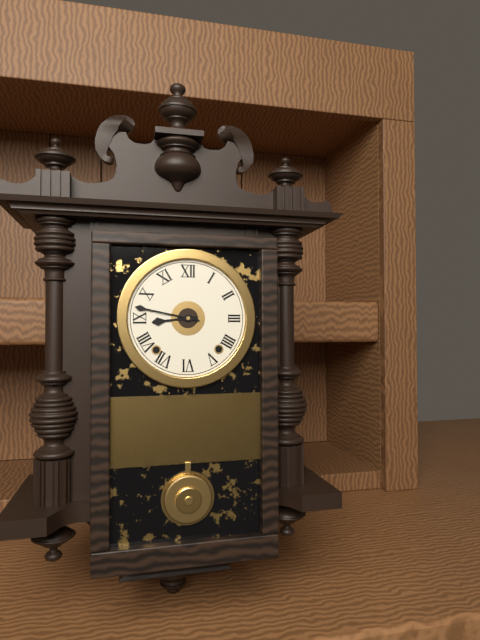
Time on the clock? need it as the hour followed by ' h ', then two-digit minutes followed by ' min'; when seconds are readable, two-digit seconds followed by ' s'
8 h 47 min
